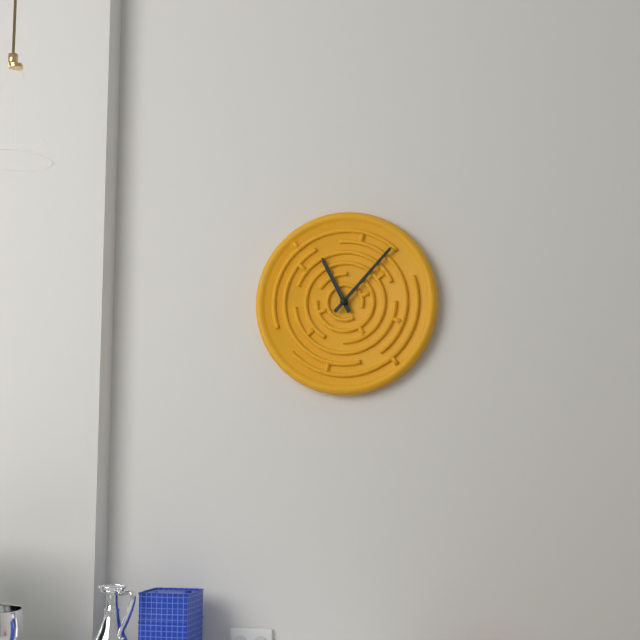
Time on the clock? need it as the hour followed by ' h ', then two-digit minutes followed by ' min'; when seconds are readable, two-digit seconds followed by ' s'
11 h 07 min
